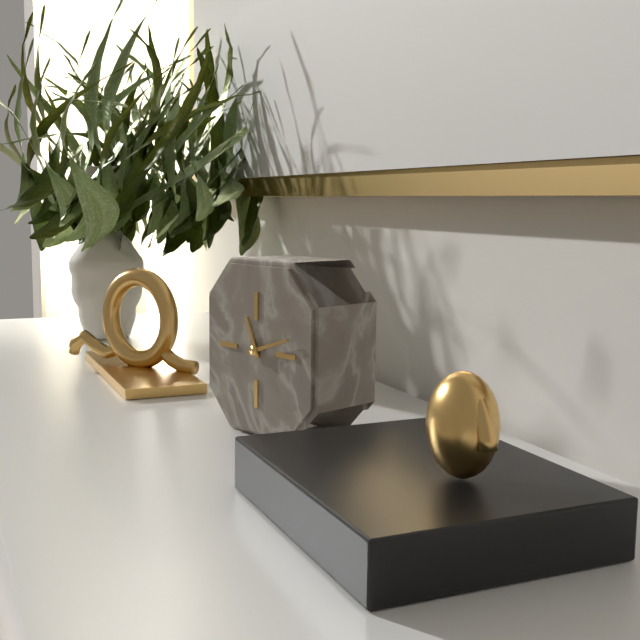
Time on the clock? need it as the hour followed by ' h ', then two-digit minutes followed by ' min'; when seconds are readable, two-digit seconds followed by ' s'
11 h 12 min
